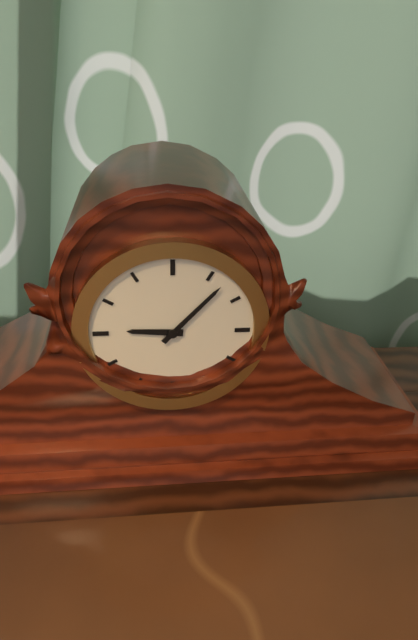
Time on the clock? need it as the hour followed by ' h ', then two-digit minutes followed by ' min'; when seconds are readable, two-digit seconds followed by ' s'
9 h 07 min
